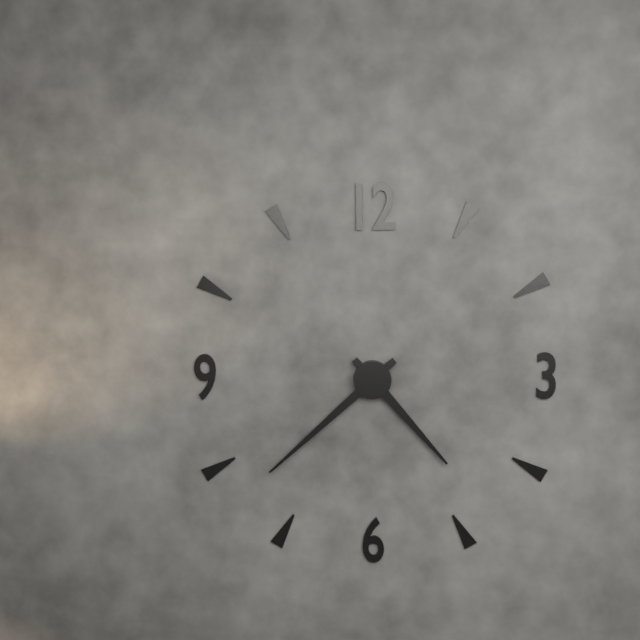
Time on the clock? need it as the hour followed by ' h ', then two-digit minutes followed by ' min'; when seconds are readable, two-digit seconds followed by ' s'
4 h 38 min
